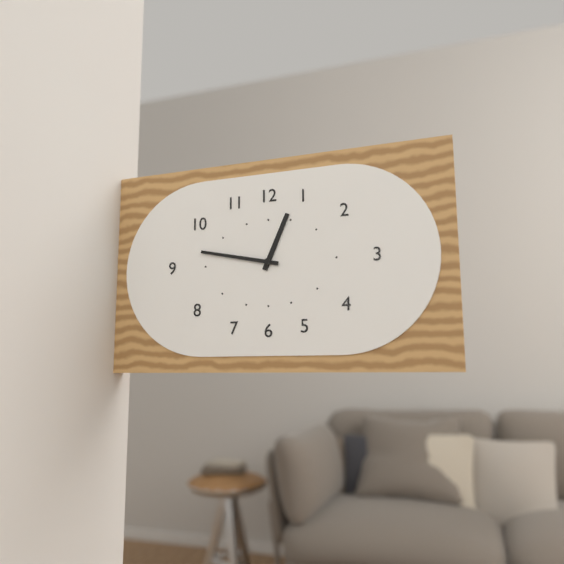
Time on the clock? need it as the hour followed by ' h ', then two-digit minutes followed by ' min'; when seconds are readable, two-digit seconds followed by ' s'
12 h 47 min
